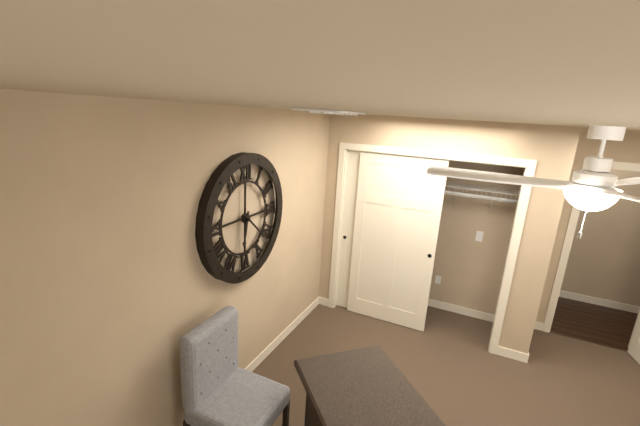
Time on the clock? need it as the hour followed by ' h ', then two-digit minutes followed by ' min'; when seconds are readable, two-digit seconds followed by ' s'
6 h 22 min
